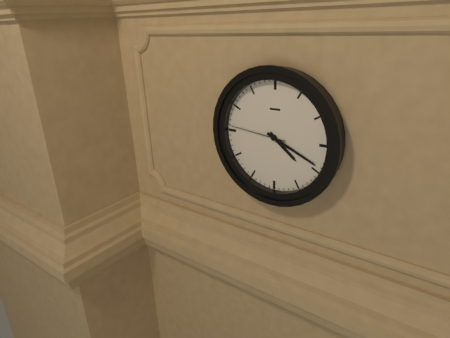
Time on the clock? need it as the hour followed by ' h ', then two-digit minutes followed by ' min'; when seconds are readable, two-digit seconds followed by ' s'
4 h 19 min 46 s
